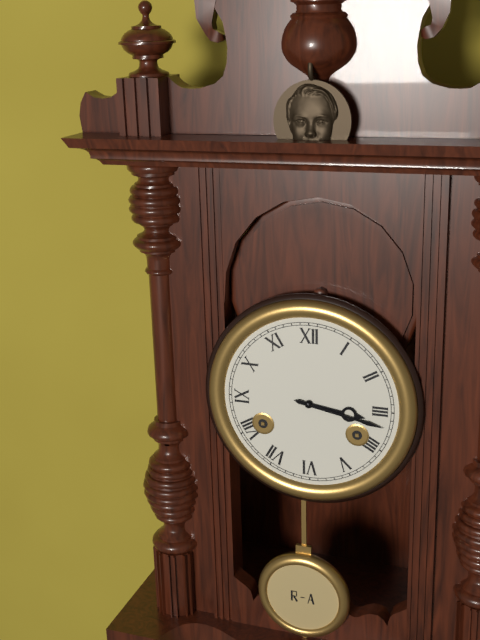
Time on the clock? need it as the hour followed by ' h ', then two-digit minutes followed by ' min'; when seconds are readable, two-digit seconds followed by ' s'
3 h 17 min
